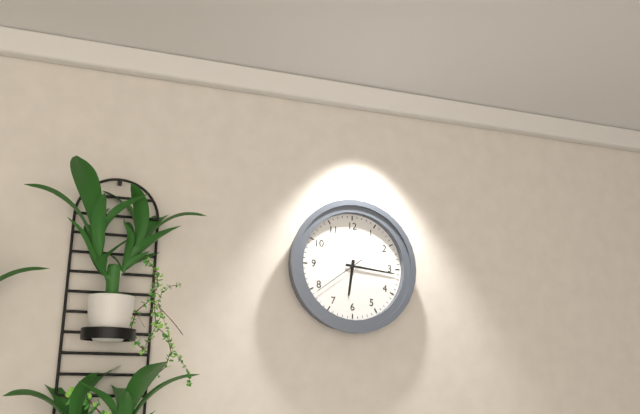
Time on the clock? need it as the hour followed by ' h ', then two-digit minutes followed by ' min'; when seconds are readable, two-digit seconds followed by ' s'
6 h 16 min 39 s
